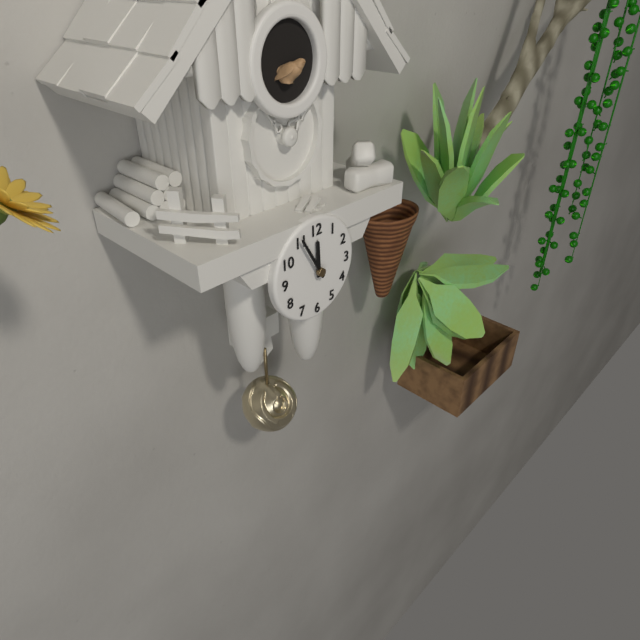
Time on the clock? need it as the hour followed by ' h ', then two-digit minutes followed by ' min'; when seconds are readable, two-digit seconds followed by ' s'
11 h 55 min
